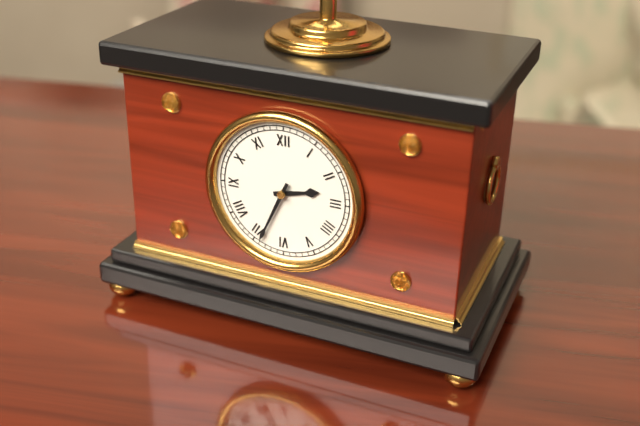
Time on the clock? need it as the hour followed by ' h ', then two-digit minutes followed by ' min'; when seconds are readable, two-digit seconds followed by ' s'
2 h 34 min
